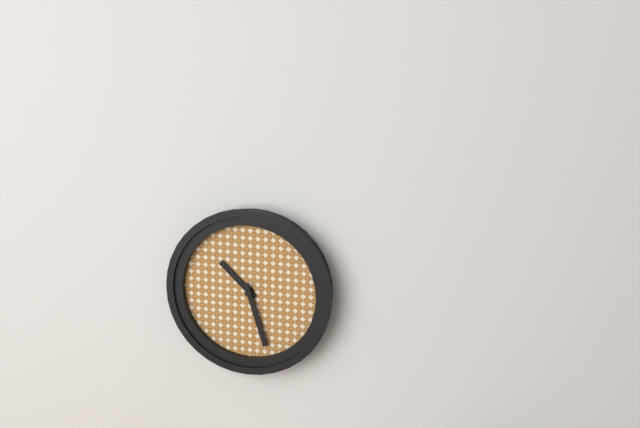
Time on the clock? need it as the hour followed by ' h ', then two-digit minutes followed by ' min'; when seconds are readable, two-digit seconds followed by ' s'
10 h 27 min
